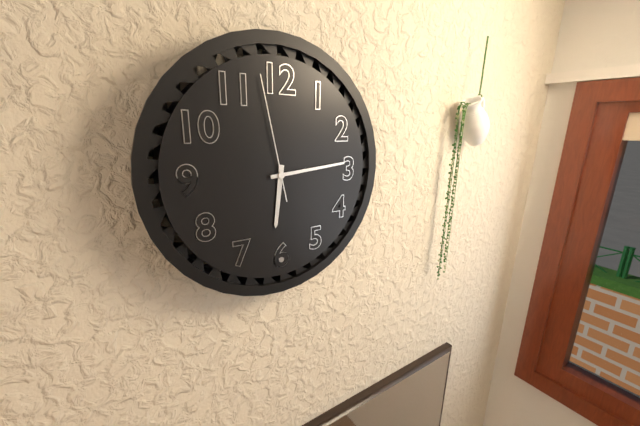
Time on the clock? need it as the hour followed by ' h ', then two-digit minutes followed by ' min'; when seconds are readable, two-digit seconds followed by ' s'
6 h 14 min 58 s
